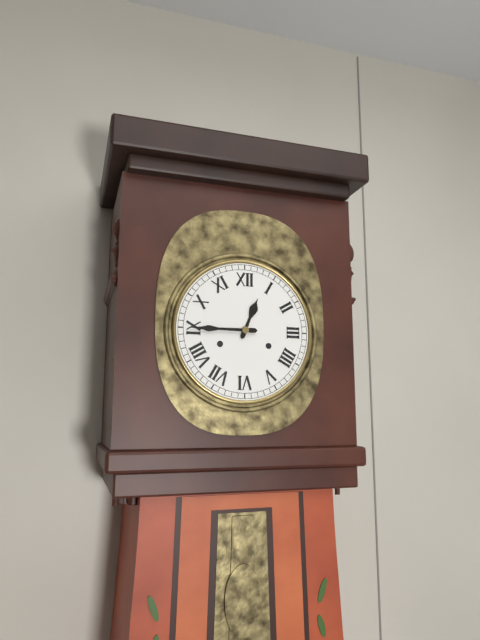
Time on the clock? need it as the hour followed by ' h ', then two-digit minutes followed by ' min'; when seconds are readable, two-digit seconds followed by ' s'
12 h 45 min
